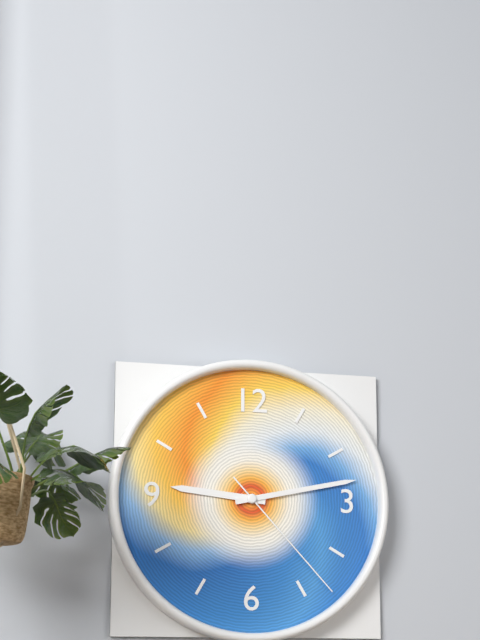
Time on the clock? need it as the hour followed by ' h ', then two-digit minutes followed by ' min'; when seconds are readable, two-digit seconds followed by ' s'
9 h 13 min 23 s
